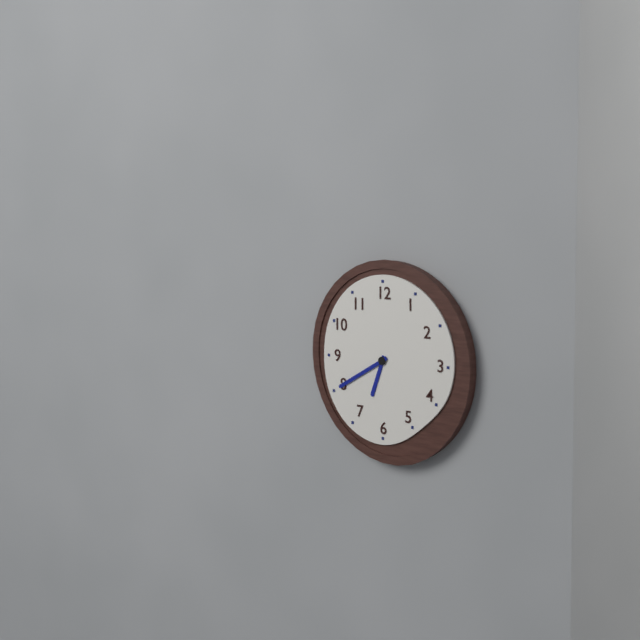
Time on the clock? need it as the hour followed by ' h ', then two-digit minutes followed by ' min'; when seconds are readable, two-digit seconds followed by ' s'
6 h 40 min
